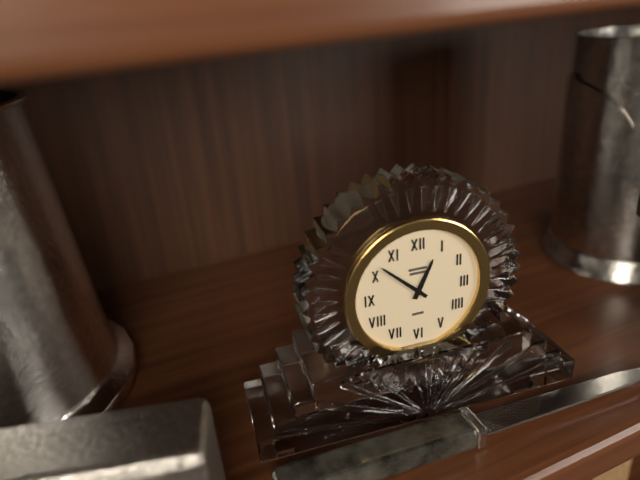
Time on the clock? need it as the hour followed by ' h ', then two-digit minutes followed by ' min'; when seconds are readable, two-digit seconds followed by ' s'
12 h 52 min
